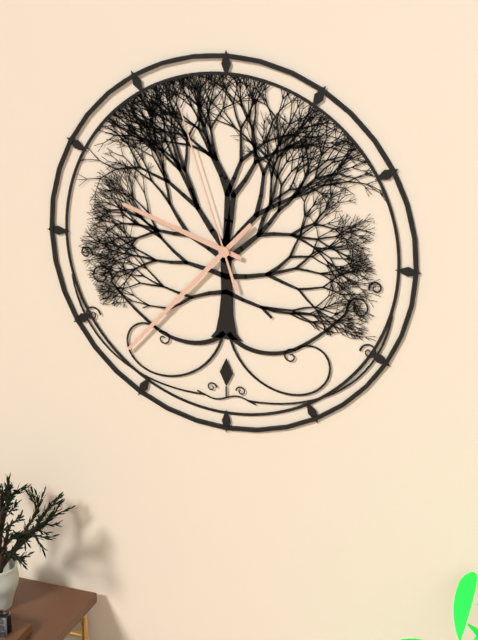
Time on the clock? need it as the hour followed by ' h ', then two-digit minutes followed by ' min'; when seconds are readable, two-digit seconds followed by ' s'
9 h 37 min 57 s
